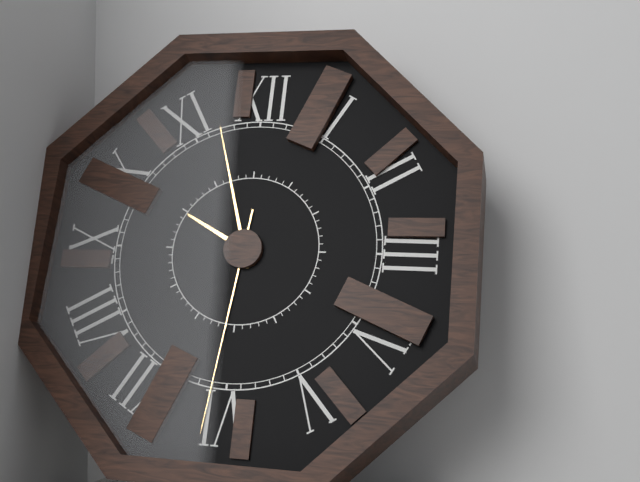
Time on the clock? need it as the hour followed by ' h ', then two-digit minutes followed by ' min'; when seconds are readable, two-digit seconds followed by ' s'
9 h 57 min 31 s
